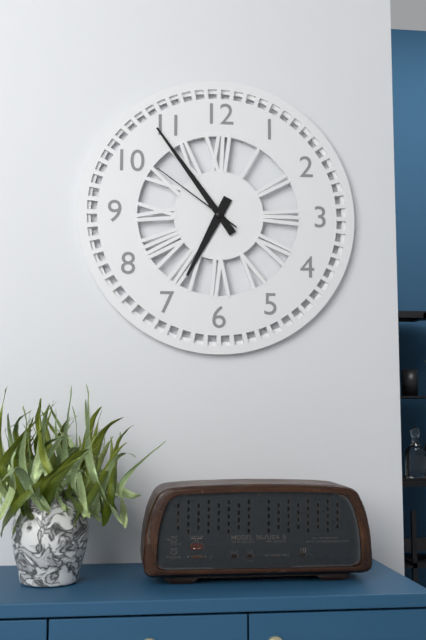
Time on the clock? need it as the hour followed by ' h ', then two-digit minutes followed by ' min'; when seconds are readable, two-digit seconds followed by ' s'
6 h 54 min 51 s
